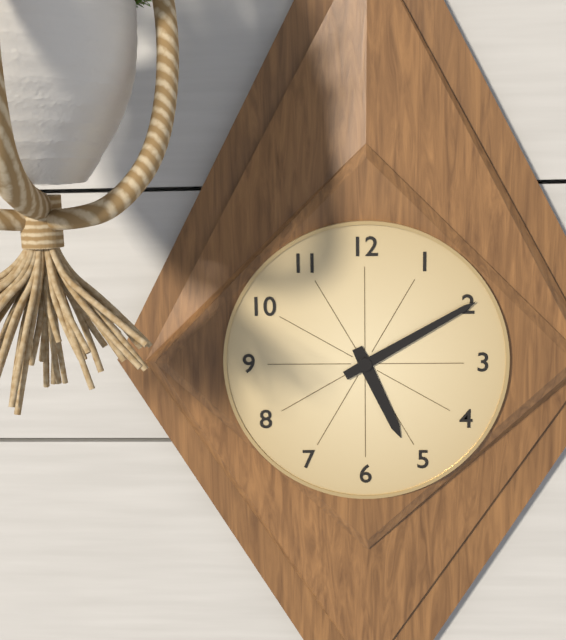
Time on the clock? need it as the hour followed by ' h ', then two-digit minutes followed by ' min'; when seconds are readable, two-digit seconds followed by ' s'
5 h 10 min
